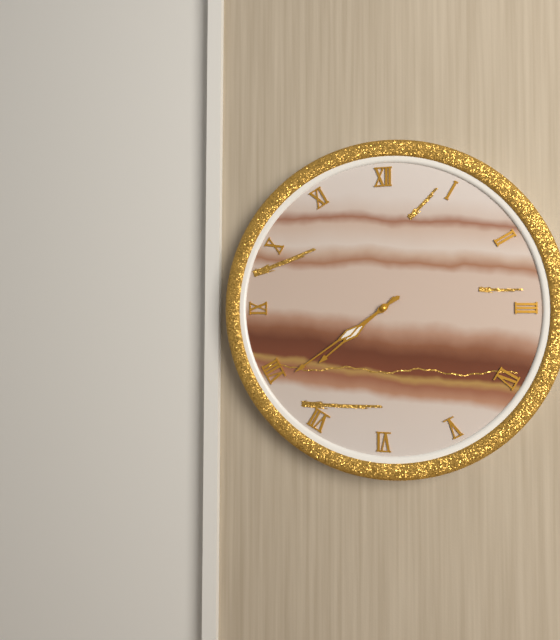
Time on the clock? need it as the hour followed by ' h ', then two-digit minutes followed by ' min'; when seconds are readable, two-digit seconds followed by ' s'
7 h 39 min
